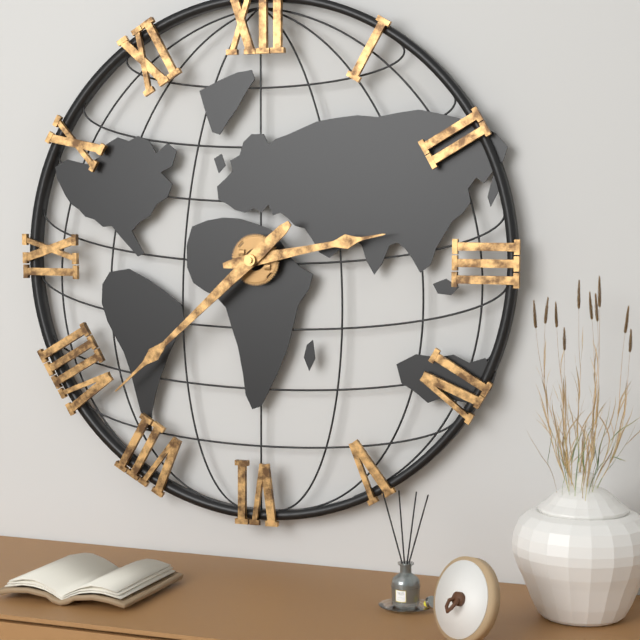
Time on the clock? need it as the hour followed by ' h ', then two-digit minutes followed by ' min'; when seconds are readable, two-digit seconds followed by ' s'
2 h 38 min
